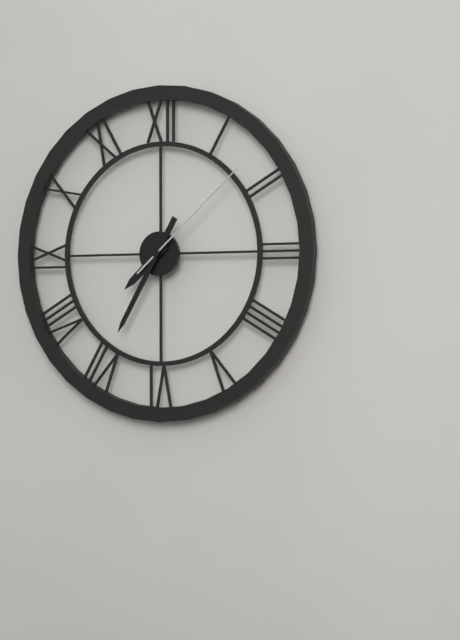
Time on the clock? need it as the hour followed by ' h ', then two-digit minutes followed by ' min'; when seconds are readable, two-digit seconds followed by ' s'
7 h 35 min 08 s
